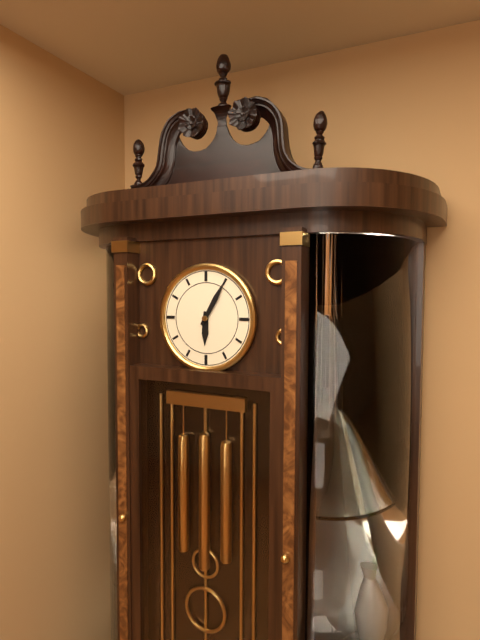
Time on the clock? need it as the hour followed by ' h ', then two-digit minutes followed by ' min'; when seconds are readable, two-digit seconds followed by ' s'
6 h 05 min
